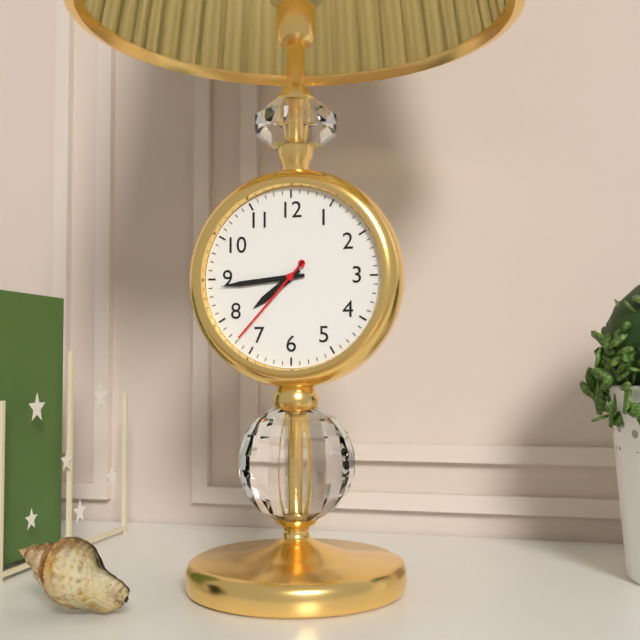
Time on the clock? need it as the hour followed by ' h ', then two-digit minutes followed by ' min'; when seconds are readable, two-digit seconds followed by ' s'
7 h 44 min 37 s
